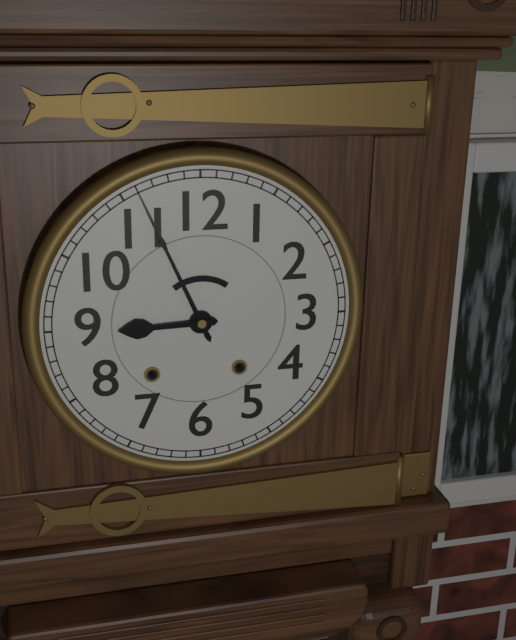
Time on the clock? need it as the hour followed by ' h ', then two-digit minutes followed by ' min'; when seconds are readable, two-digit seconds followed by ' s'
8 h 56 min
